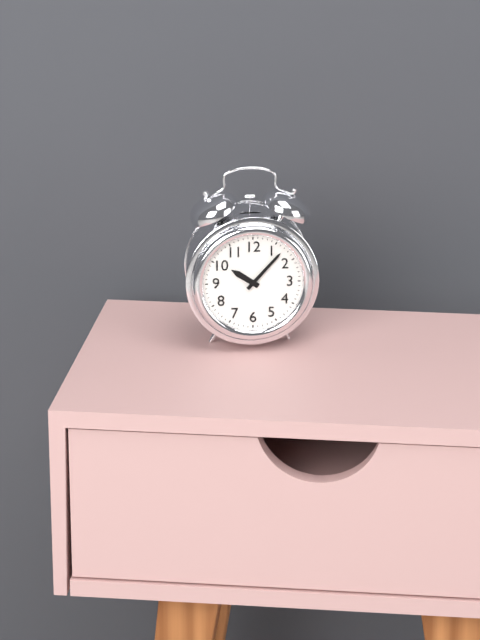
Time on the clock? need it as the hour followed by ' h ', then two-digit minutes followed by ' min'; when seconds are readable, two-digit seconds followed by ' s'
10 h 07 min
